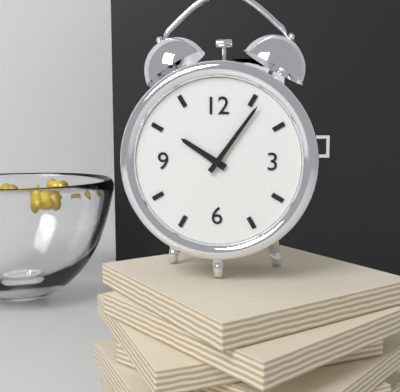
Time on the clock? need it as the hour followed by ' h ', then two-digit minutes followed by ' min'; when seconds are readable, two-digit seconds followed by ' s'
10 h 06 min
